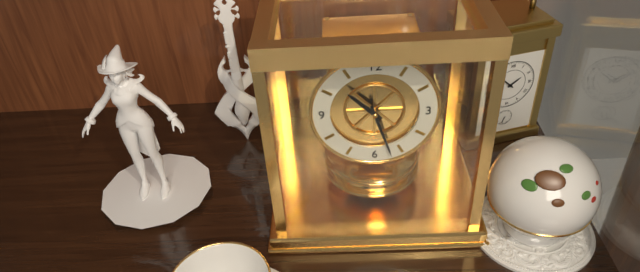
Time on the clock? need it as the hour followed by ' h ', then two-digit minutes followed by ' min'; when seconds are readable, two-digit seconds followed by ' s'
10 h 27 min
